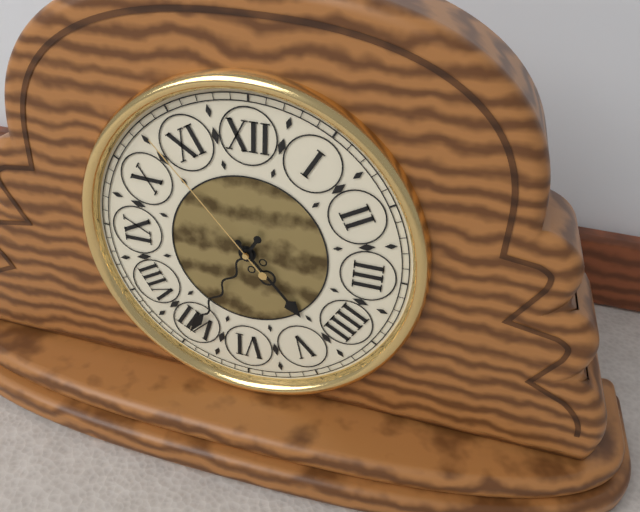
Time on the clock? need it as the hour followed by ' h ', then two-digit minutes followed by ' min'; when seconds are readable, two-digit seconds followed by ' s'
4 h 35 min 53 s
